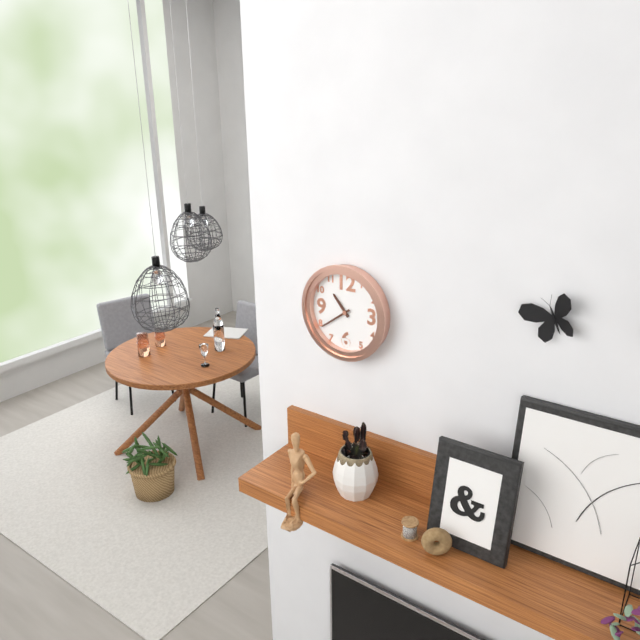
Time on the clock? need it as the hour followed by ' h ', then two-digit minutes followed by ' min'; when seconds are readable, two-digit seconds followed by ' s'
10 h 39 min
